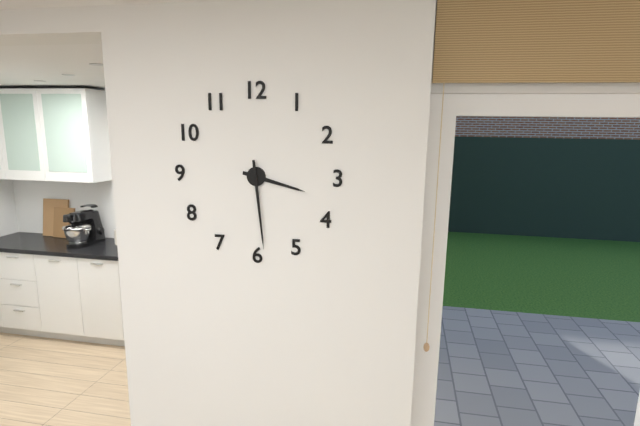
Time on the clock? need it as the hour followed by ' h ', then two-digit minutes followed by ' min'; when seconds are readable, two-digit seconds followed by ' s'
3 h 29 min
